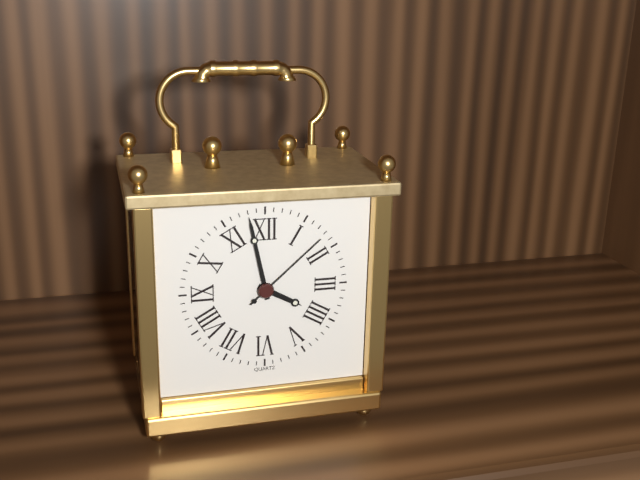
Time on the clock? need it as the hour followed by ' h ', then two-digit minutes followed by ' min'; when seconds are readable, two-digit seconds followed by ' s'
3 h 58 min 08 s
